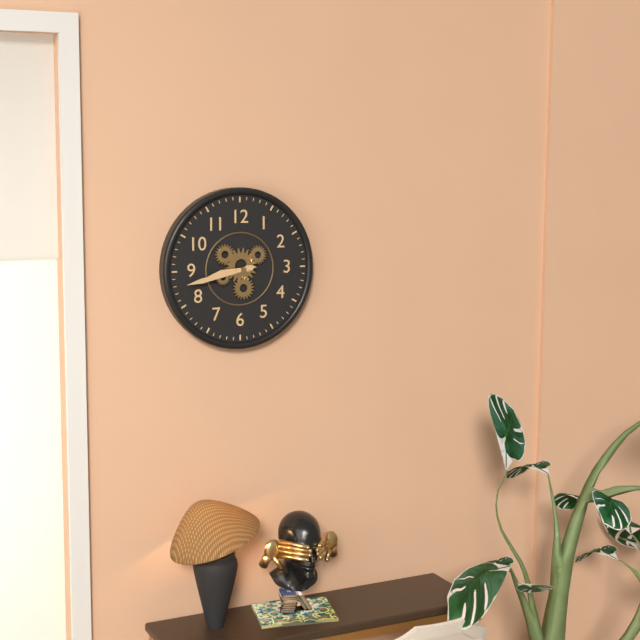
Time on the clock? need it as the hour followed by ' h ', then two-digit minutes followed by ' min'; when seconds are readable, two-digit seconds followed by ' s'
8 h 43 min
